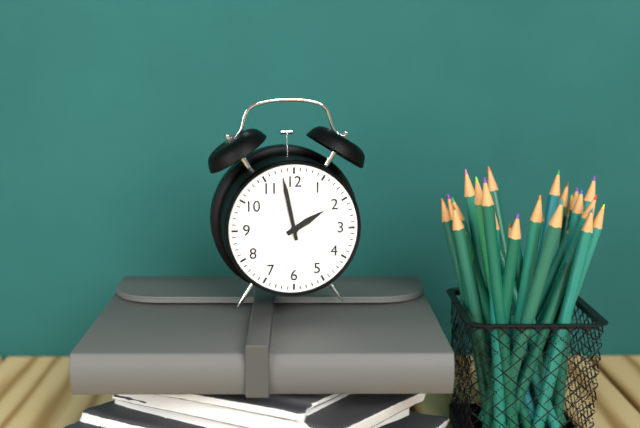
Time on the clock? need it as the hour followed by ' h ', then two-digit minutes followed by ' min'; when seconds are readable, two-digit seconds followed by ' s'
1 h 58 min
